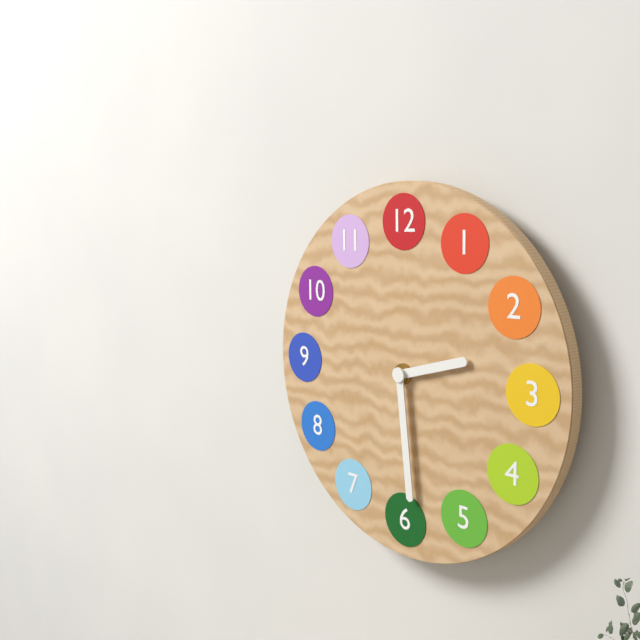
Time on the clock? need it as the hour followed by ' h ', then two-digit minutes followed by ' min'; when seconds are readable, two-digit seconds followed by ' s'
2 h 29 min
